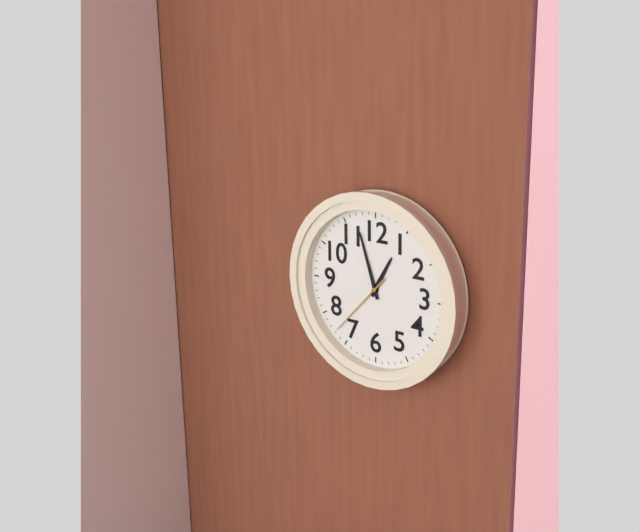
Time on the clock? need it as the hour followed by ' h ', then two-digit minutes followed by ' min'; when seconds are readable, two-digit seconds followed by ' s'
12 h 57 min 37 s
